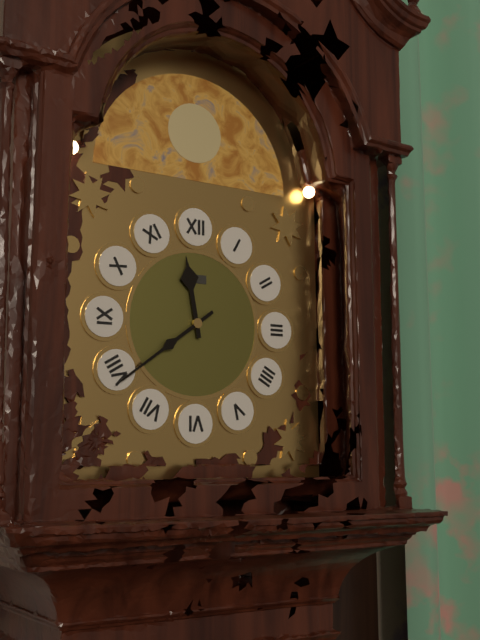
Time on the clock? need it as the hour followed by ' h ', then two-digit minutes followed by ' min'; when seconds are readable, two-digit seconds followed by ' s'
11 h 39 min
